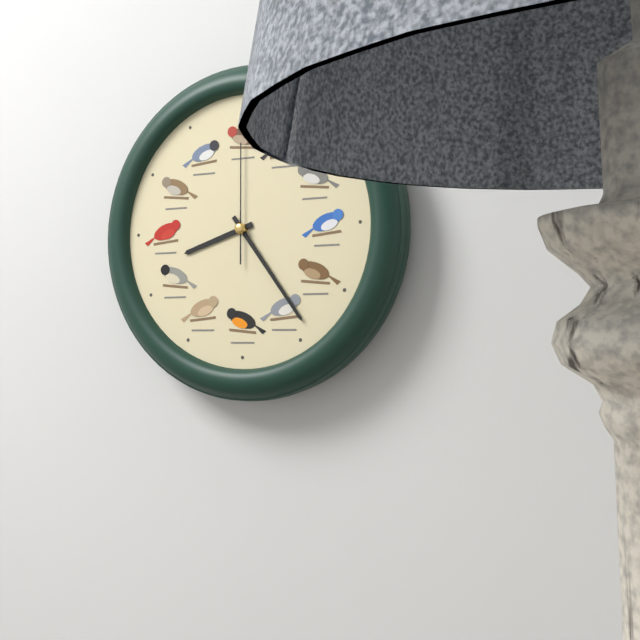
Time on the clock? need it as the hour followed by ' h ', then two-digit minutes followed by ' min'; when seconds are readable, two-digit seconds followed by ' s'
8 h 24 min 00 s
